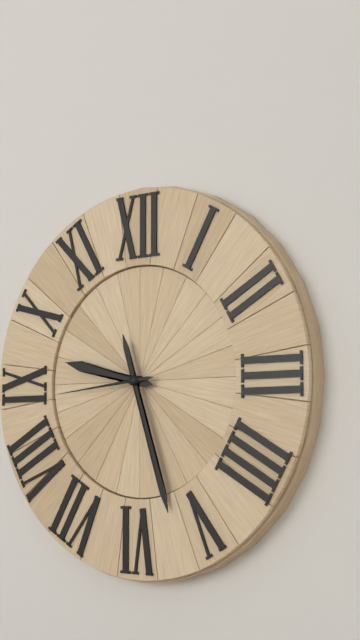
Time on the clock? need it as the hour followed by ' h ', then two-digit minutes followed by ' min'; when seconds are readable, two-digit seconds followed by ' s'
9 h 27 min 44 s
